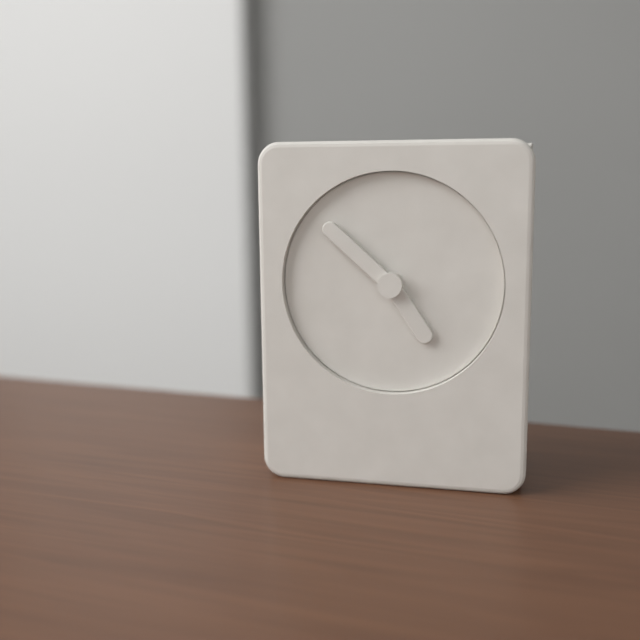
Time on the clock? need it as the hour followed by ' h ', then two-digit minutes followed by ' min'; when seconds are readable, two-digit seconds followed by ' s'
4 h 52 min
